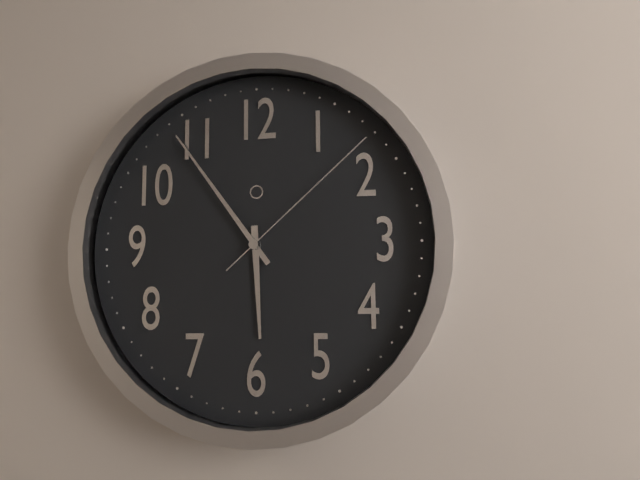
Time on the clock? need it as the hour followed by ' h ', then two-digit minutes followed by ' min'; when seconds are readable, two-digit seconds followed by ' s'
5 h 54 min 08 s
